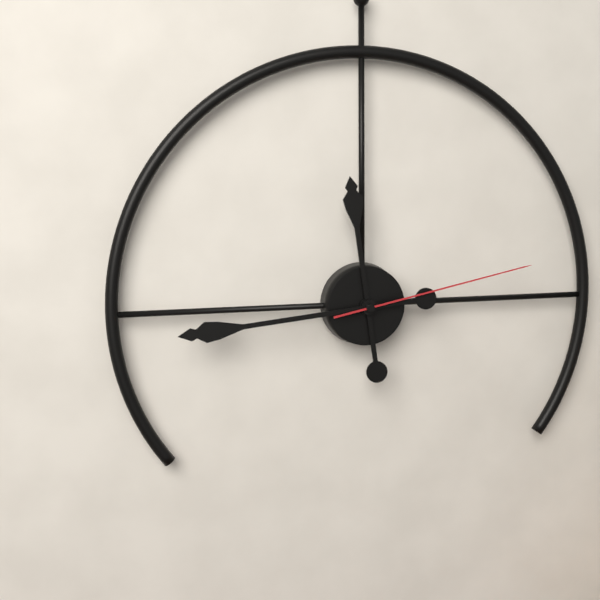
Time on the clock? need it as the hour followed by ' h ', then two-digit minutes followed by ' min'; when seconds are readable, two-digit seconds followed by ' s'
11 h 44 min 13 s
